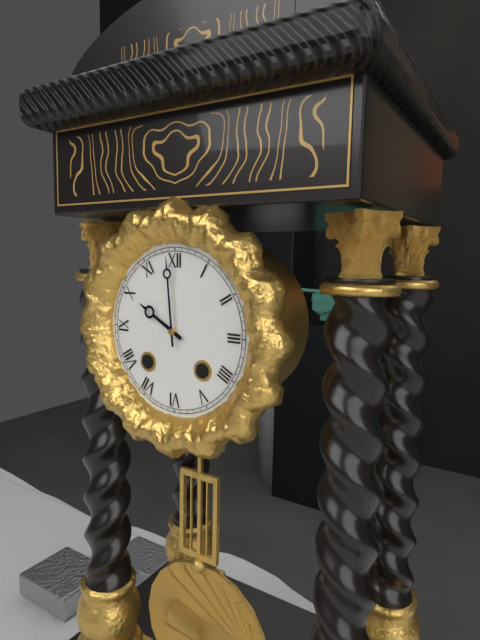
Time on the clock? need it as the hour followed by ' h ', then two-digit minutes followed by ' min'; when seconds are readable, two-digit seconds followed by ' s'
9 h 59 min
